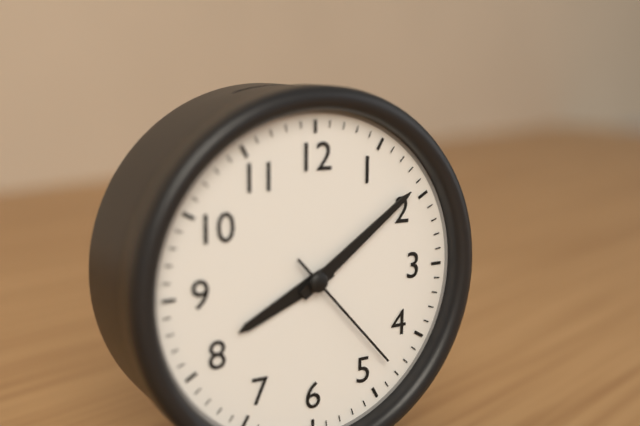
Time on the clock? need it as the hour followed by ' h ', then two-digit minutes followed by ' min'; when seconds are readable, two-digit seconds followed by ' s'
8 h 09 min 23 s
